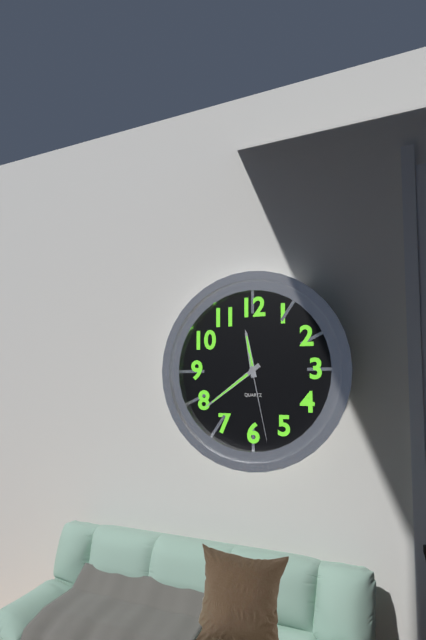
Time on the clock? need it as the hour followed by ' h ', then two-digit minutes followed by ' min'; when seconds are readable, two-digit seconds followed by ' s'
11 h 39 min 28 s
